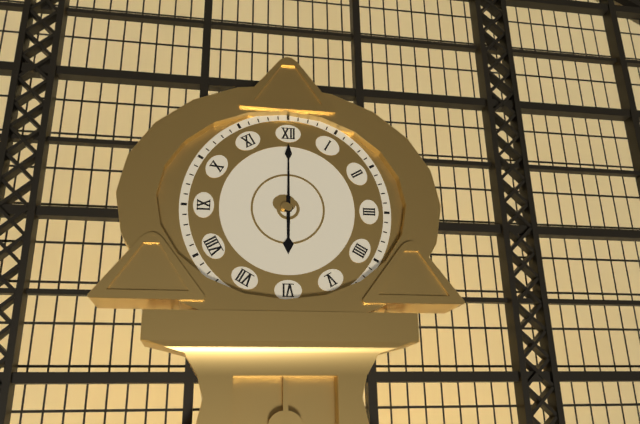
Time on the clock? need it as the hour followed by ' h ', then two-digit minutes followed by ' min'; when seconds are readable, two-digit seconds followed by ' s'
6 h 00 min
